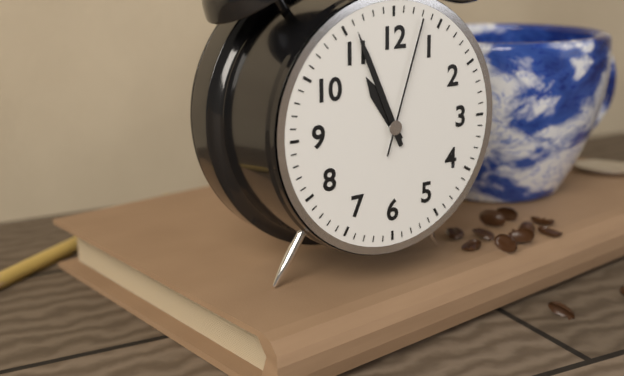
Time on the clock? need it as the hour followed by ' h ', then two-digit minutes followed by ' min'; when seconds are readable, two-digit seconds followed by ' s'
10 h 56 min 03 s
